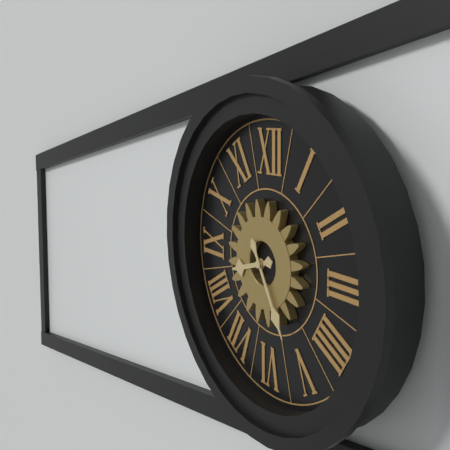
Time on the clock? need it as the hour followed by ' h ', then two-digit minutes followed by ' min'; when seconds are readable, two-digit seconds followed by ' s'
8 h 25 min
